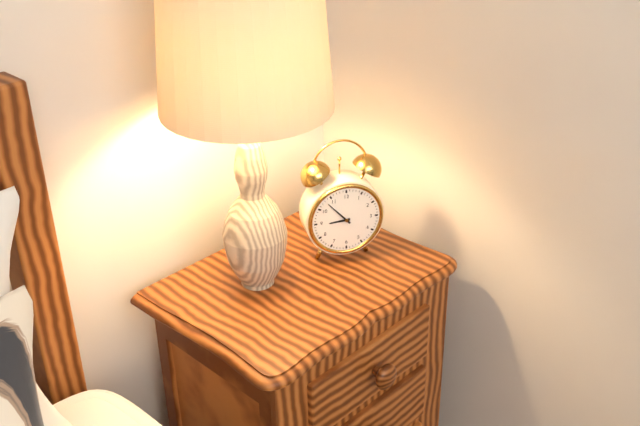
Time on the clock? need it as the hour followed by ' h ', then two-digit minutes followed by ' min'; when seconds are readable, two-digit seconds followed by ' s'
8 h 53 min
